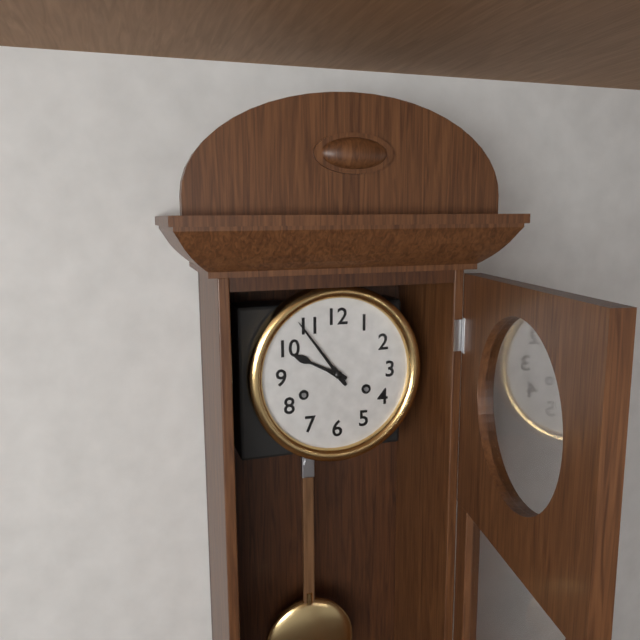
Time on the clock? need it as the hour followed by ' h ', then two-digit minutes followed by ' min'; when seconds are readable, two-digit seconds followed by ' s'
9 h 54 min
